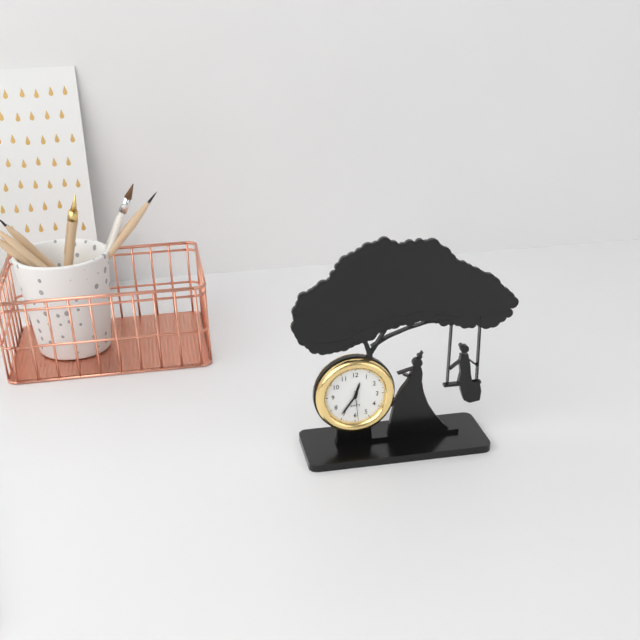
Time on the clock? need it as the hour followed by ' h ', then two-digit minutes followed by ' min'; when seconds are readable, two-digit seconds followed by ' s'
12 h 36 min
